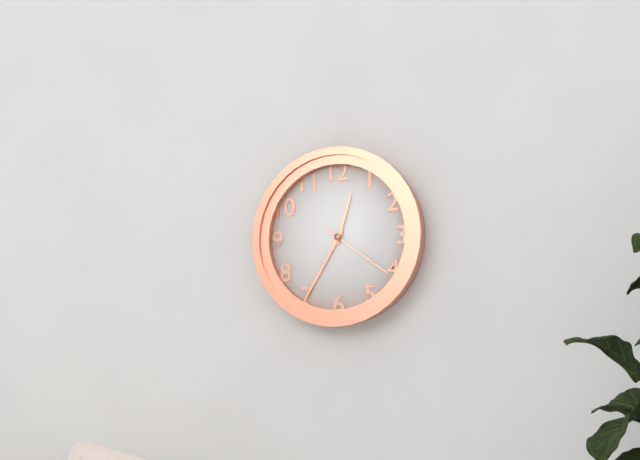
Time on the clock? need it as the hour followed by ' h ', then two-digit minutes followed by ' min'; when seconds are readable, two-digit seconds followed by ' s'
12 h 35 min 21 s
